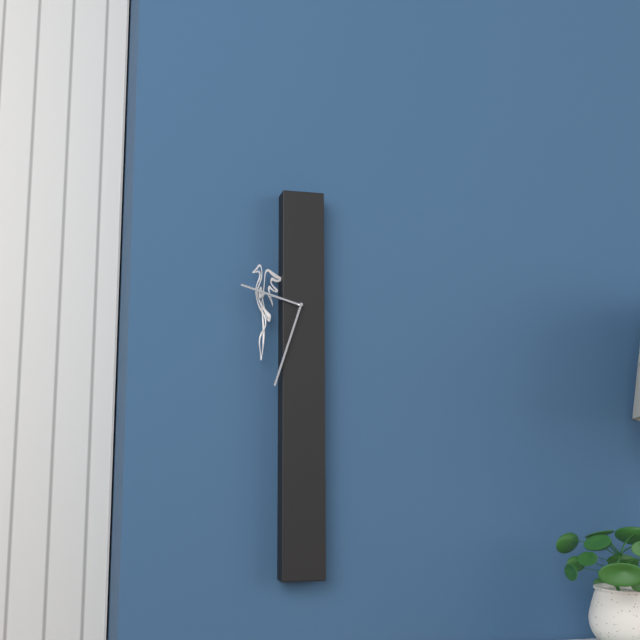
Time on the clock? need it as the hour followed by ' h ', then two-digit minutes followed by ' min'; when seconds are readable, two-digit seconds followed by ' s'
9 h 33 min
